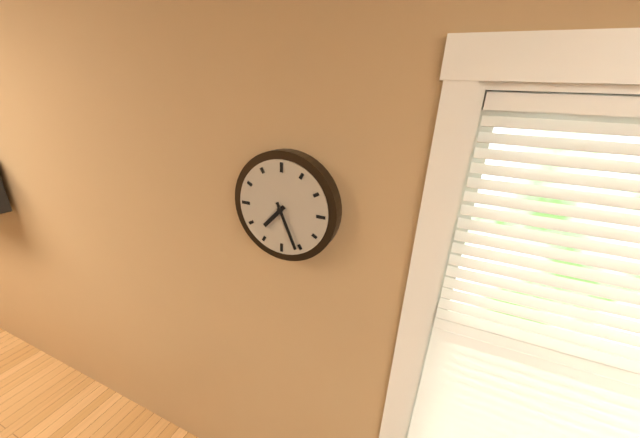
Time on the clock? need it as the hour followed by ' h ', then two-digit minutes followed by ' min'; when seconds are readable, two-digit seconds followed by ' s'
7 h 26 min
